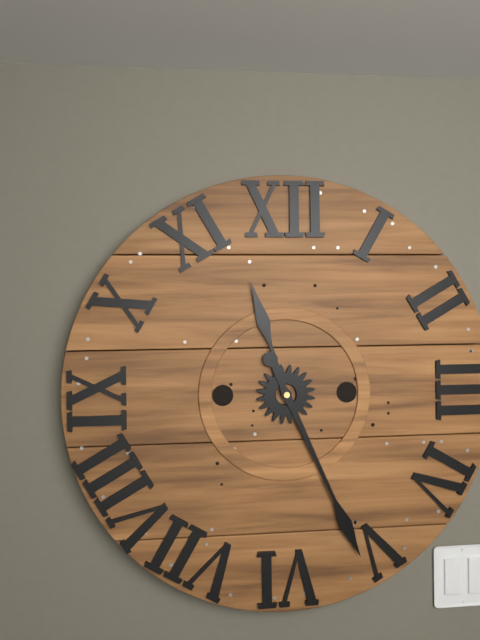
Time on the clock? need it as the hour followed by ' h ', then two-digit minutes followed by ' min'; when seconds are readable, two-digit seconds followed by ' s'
11 h 26 min
